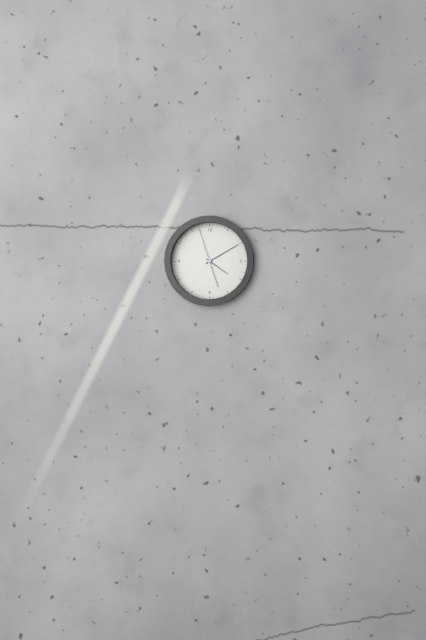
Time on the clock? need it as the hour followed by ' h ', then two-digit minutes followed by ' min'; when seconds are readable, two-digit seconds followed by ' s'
4 h 10 min
